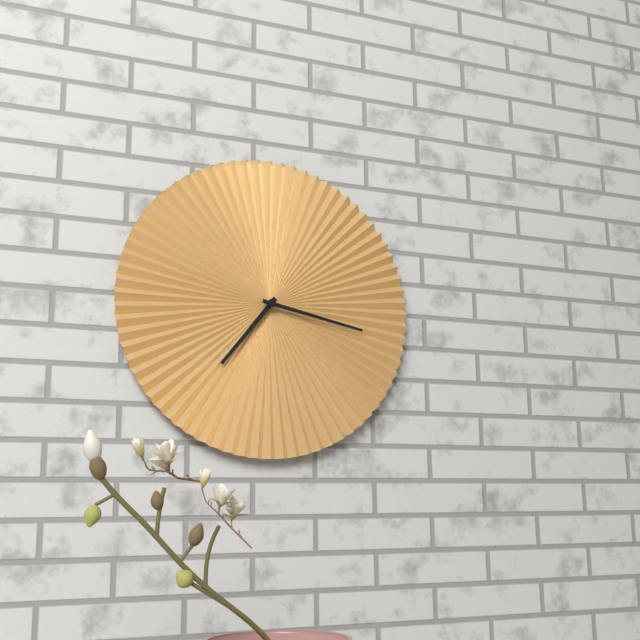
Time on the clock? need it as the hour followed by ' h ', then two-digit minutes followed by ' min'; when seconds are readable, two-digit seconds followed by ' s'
7 h 17 min
